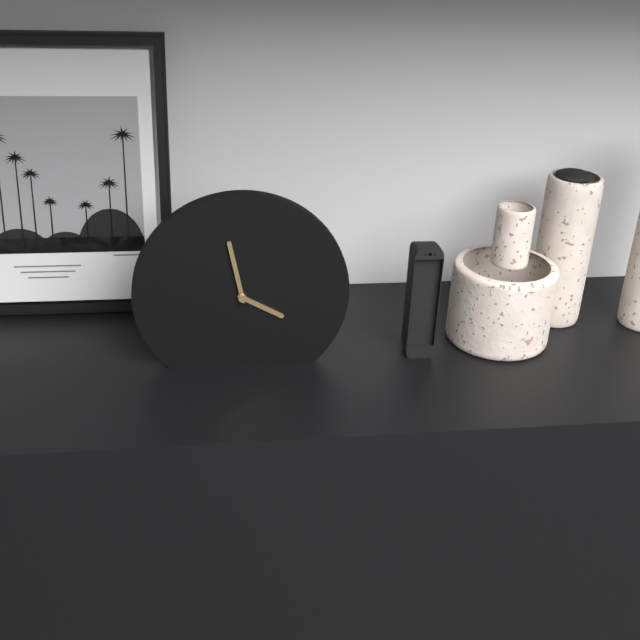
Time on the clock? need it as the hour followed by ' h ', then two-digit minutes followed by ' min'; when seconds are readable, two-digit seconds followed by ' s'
3 h 58 min
